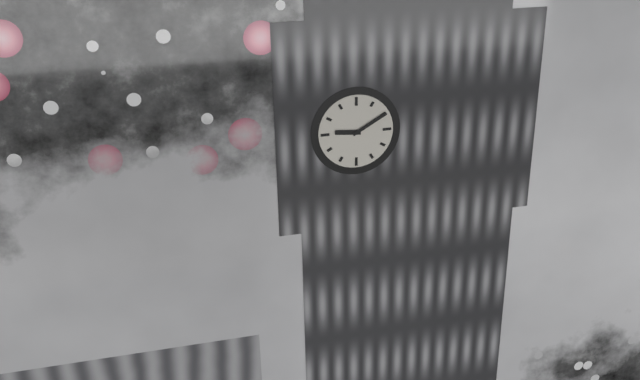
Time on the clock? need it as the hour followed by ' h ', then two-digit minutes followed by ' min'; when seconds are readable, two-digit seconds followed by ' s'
9 h 10 min
